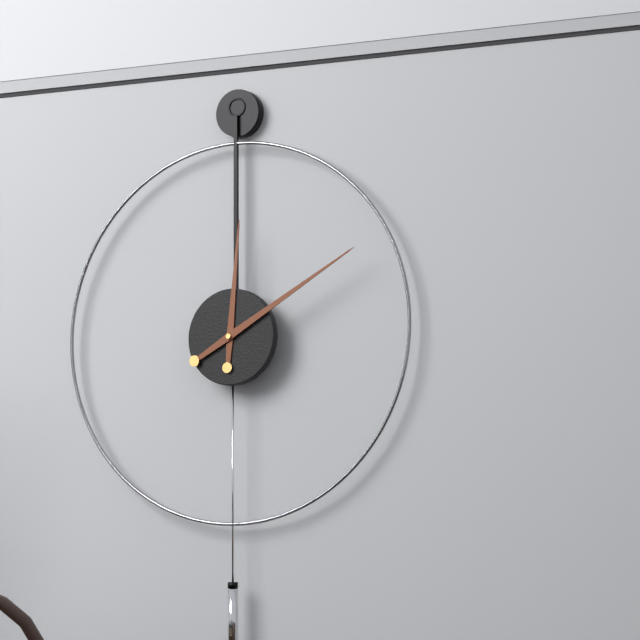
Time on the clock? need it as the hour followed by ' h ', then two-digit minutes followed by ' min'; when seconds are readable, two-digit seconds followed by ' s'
12 h 10 min
